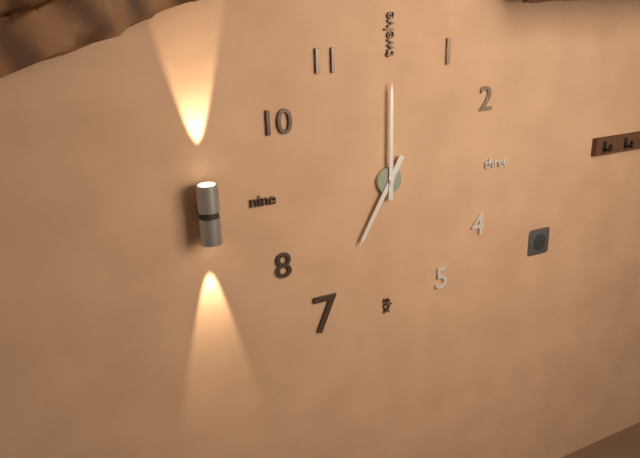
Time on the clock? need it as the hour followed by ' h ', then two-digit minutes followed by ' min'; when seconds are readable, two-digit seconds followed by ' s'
7 h 00 min
